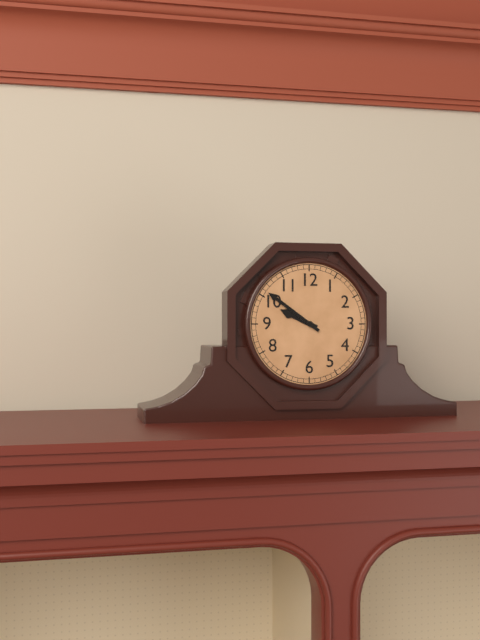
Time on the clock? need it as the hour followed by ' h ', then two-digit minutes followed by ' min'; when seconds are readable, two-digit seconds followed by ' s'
9 h 51 min
